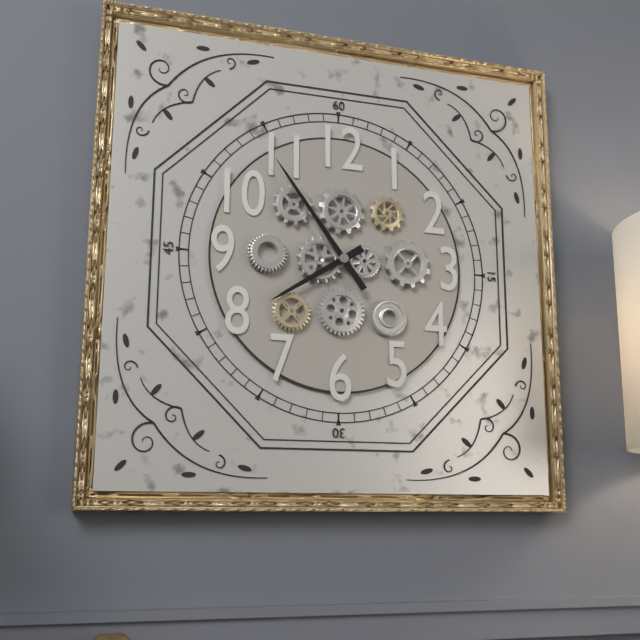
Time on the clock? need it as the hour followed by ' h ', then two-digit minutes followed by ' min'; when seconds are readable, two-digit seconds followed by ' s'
7 h 54 min
